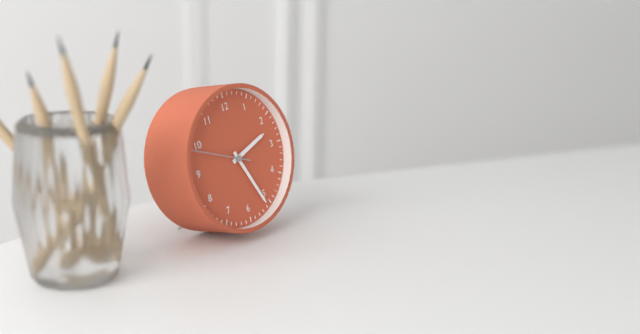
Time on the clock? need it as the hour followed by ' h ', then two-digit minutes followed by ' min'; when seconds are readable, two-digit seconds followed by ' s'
2 h 26 min 49 s
